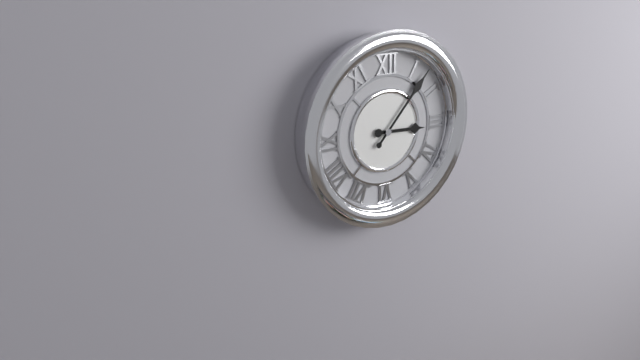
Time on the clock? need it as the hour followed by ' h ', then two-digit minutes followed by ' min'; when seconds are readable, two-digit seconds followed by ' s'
3 h 07 min
